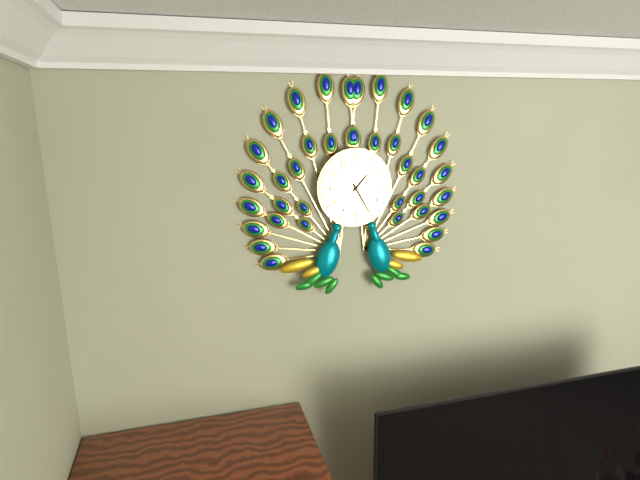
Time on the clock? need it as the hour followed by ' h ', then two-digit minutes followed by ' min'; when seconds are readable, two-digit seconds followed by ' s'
1 h 25 min
